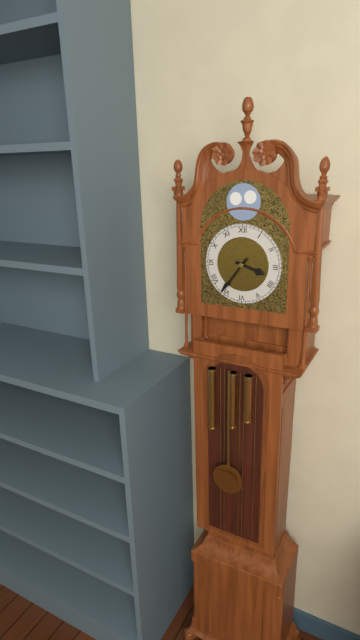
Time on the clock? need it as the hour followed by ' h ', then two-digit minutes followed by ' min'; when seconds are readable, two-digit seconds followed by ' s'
3 h 36 min
